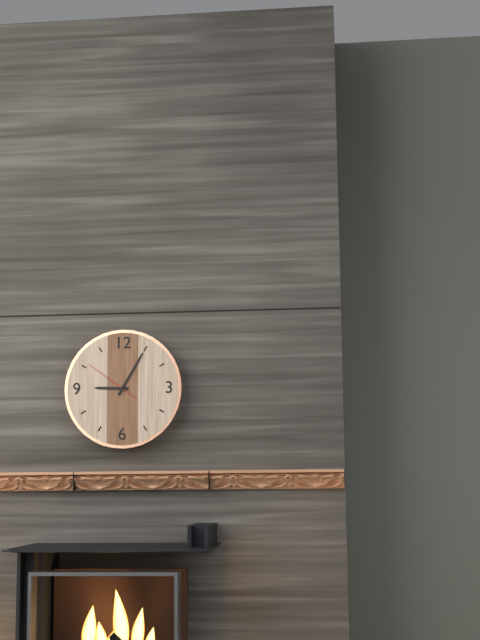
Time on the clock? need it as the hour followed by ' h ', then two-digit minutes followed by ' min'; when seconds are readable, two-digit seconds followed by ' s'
9 h 05 min 51 s
